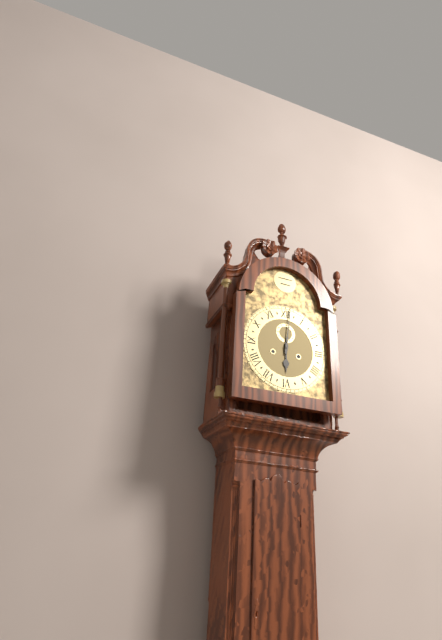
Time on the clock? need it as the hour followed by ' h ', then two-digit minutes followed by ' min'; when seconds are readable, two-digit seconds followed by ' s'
6 h 01 min
